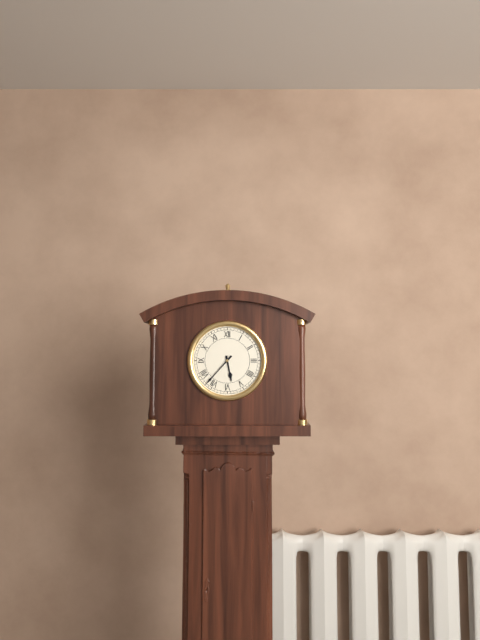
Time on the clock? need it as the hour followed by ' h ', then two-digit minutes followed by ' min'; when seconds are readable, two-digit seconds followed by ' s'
5 h 37 min
